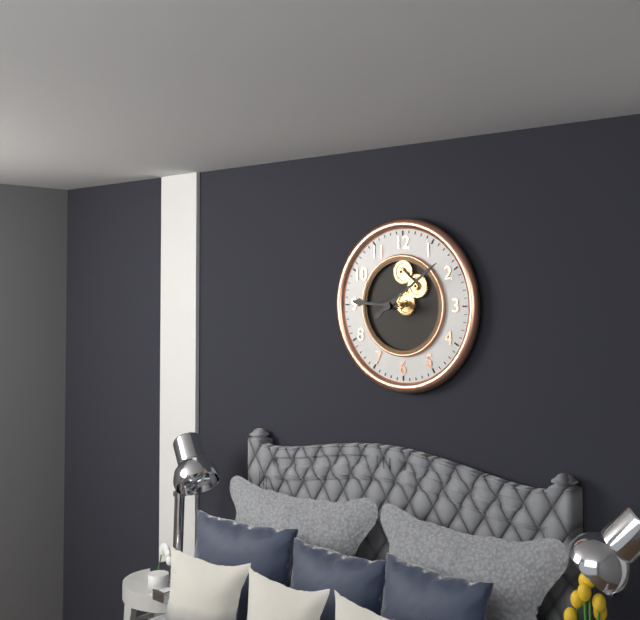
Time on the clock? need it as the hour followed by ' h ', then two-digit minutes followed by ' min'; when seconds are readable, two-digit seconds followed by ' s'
9 h 09 min
